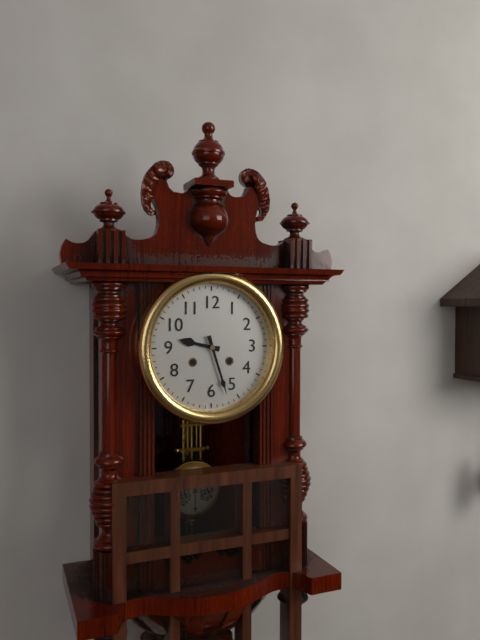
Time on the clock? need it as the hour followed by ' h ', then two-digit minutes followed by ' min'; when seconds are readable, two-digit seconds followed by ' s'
9 h 27 min
